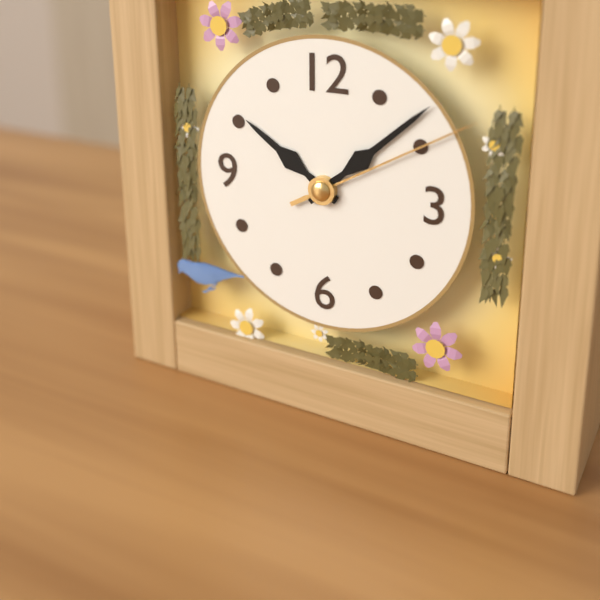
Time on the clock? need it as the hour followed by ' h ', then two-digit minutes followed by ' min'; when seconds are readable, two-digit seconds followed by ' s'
10 h 08 min 10 s
